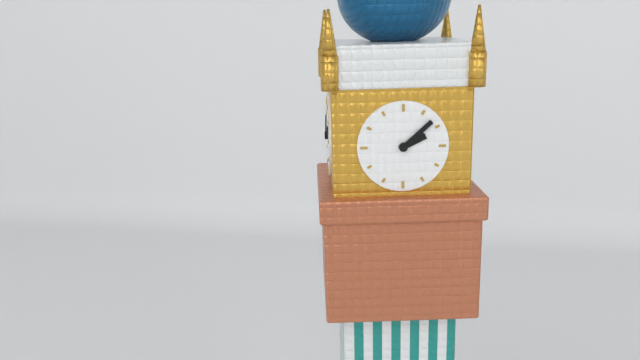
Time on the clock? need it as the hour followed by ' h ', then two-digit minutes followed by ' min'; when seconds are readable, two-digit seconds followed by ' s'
2 h 08 min
